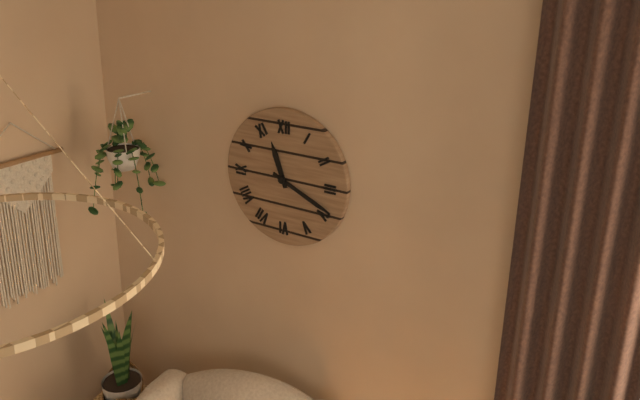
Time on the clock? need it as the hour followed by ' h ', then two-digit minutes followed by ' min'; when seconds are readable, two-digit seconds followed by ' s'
11 h 19 min
